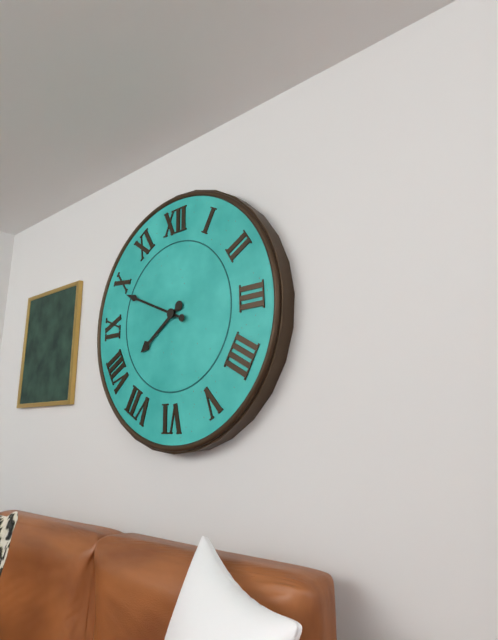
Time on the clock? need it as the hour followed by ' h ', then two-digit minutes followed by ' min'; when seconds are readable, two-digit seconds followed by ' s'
7 h 49 min
